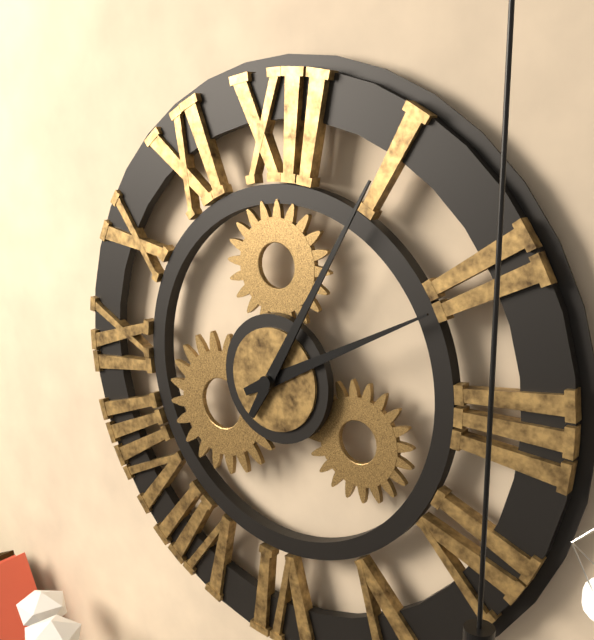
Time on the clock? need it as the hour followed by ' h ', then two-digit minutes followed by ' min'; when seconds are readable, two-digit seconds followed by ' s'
2 h 05 min
